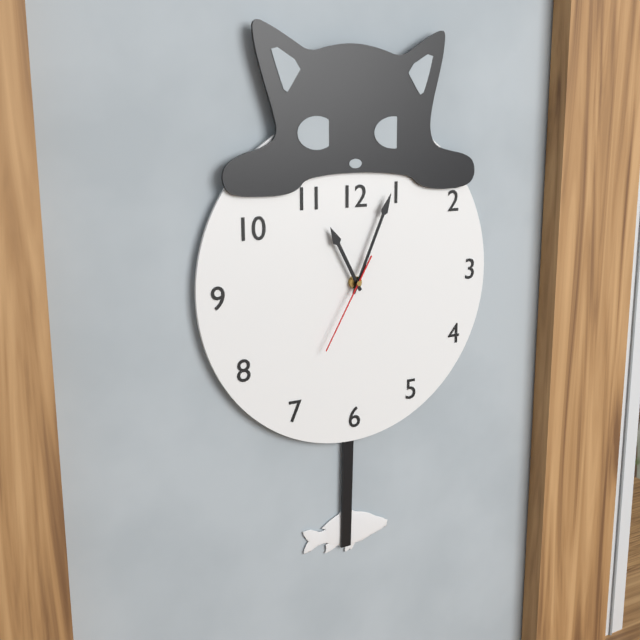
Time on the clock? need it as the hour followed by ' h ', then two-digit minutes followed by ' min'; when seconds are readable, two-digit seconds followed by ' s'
11 h 04 min 35 s
